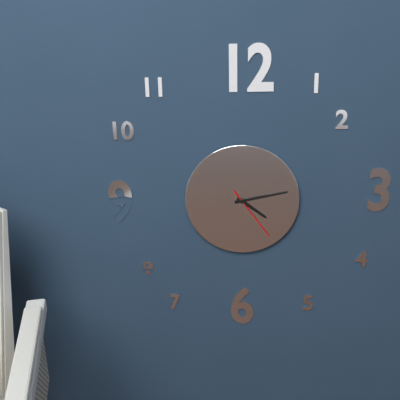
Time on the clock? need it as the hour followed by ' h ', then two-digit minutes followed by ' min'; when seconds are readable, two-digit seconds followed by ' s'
4 h 13 min 24 s
